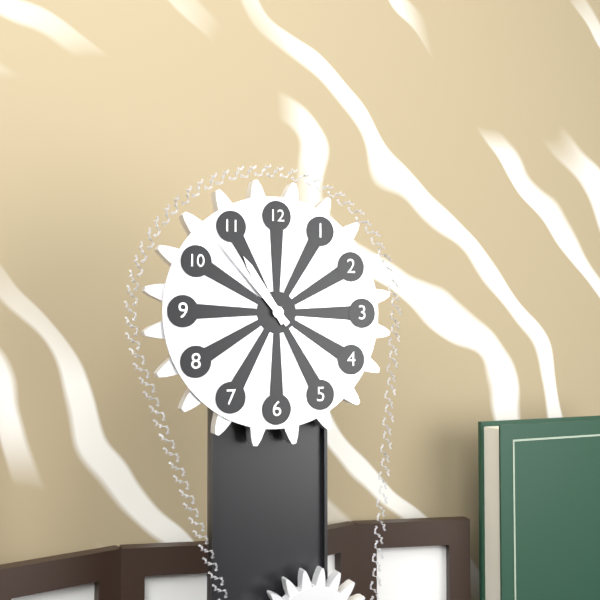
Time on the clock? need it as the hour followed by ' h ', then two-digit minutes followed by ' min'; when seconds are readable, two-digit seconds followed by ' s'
10 h 53 min
